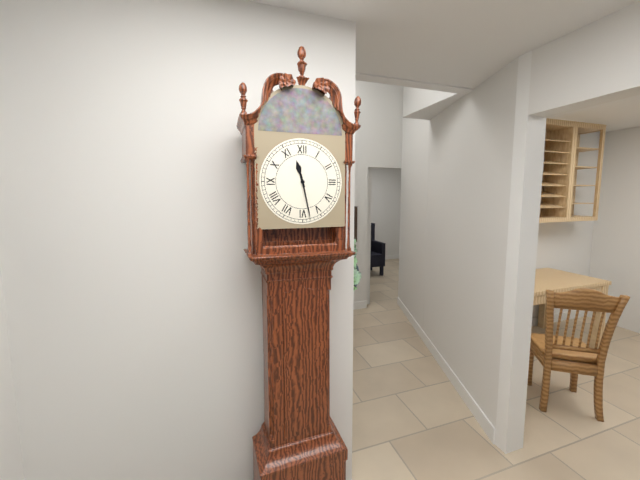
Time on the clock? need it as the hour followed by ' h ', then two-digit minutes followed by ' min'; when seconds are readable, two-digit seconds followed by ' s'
11 h 28 min
